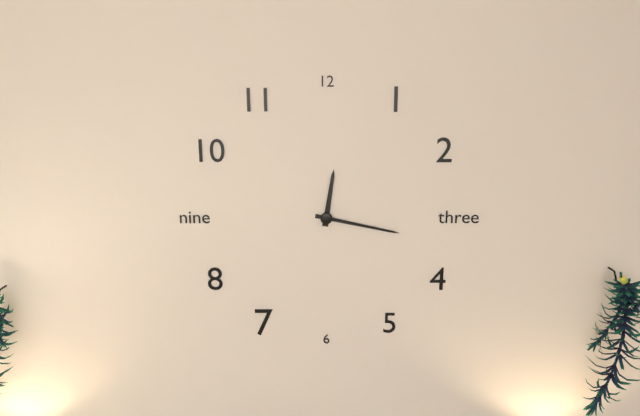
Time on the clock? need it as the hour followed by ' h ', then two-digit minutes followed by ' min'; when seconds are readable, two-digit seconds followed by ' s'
12 h 17 min
